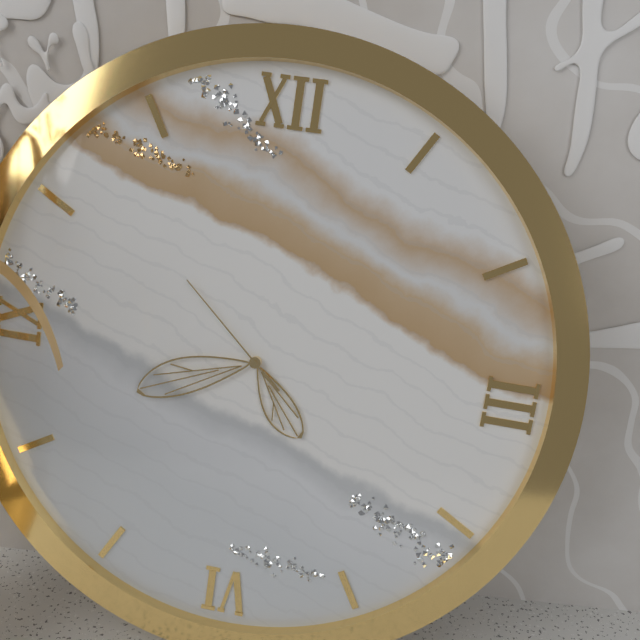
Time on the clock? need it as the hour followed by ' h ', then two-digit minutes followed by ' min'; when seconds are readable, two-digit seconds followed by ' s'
4 h 41 min 52 s
